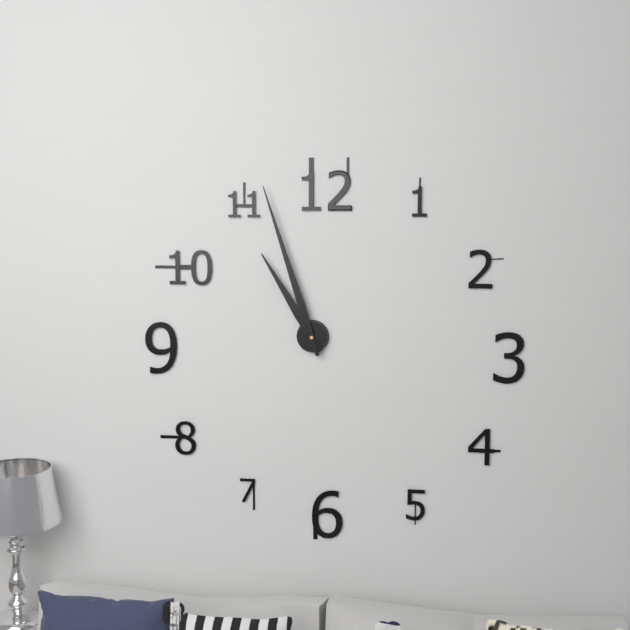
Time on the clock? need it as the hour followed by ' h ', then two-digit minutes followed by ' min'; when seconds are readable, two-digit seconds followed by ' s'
10 h 57 min
